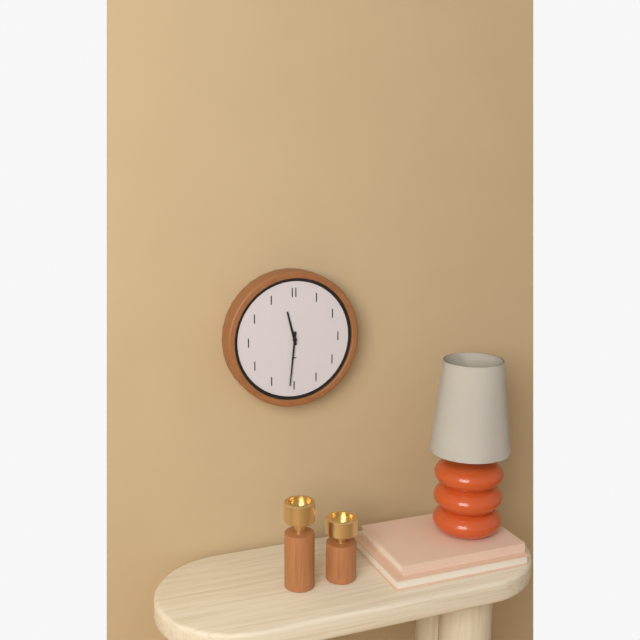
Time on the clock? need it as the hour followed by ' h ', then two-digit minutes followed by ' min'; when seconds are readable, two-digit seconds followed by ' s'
11 h 31 min
